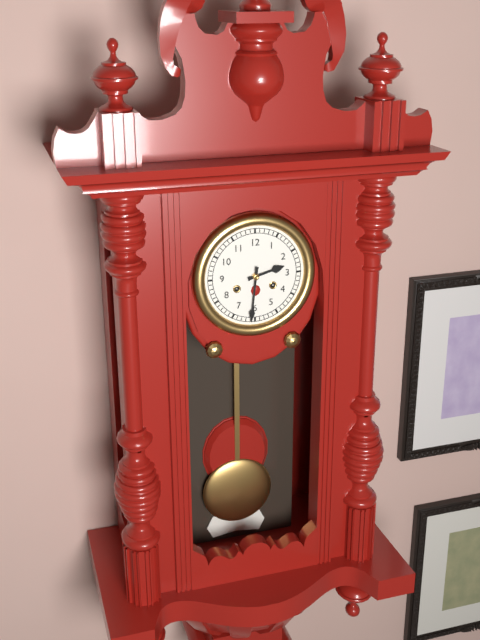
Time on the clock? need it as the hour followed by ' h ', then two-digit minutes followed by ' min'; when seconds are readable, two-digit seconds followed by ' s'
2 h 31 min
